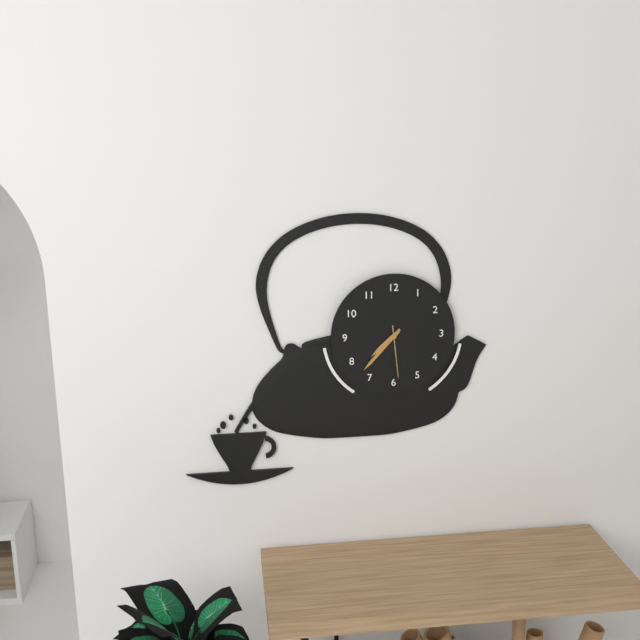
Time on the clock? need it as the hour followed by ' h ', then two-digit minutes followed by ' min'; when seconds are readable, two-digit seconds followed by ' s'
7 h 37 min 29 s
